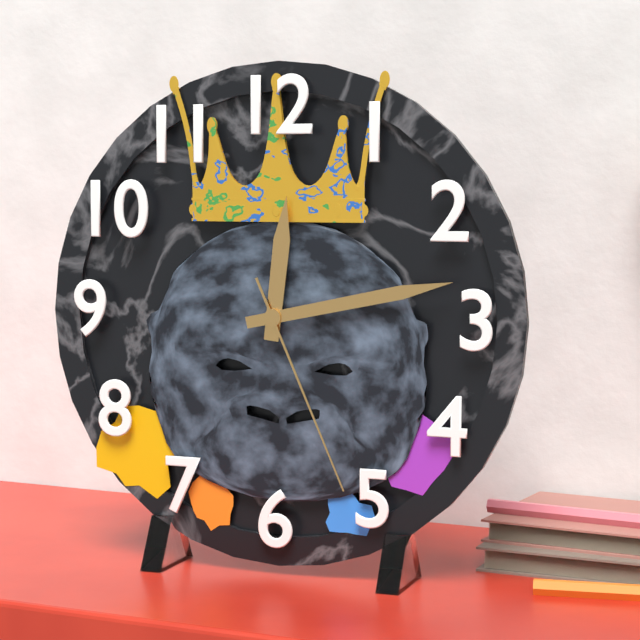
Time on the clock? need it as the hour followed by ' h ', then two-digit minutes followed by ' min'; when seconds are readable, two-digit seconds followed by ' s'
12 h 13 min 26 s
